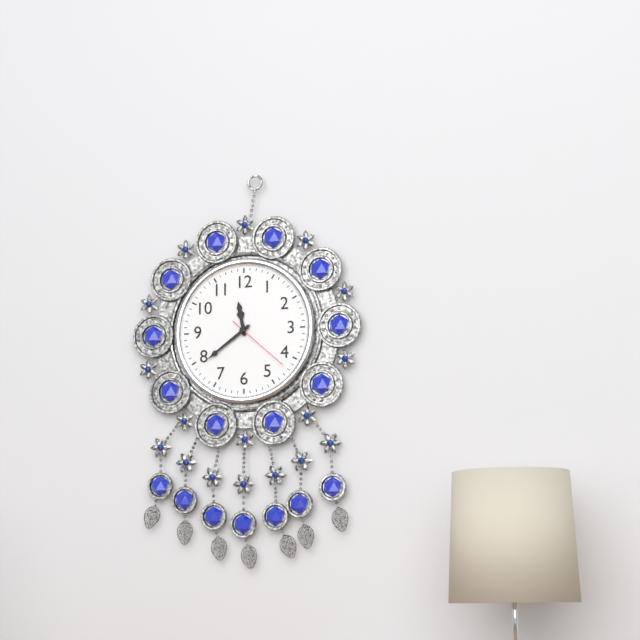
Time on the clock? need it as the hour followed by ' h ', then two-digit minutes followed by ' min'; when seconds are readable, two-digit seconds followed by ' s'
11 h 39 min 22 s
